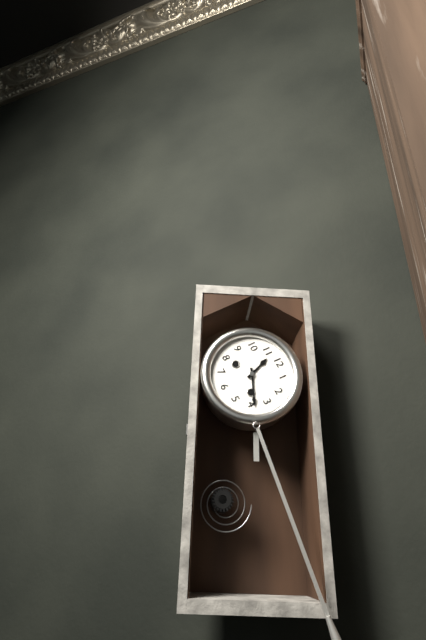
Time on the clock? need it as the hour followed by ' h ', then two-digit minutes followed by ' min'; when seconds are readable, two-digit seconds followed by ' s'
11 h 19 min
